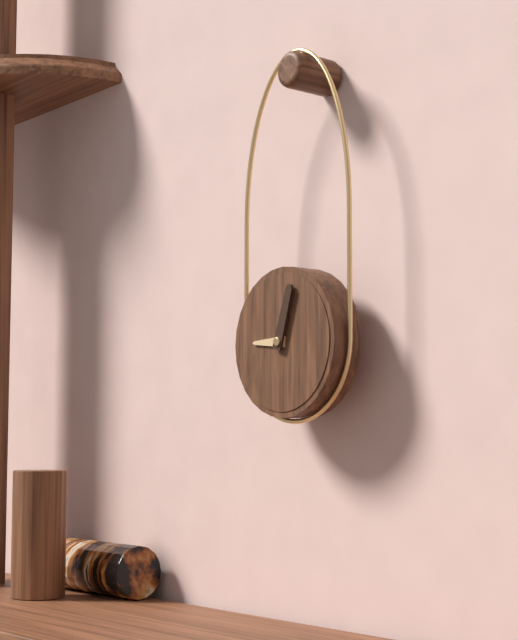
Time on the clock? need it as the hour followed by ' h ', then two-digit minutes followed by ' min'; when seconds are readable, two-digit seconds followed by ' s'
9 h 03 min
